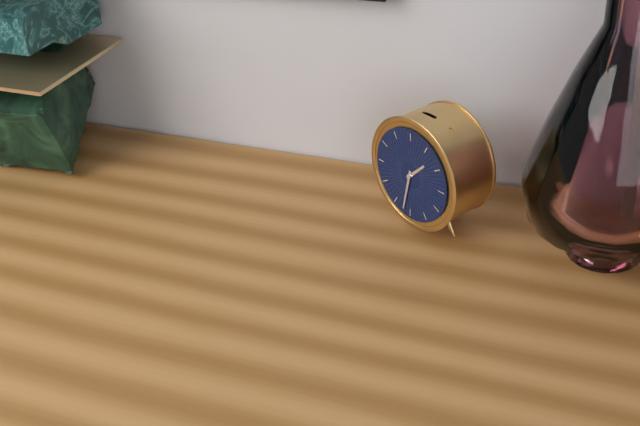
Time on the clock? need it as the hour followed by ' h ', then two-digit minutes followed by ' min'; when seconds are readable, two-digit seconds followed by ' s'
1 h 32 min
